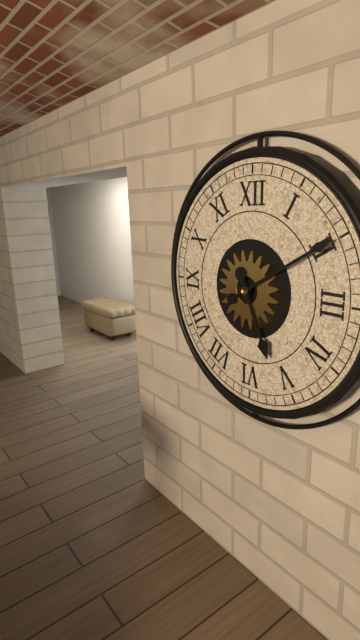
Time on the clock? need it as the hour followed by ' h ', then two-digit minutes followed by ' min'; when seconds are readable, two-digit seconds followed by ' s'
5 h 10 min
